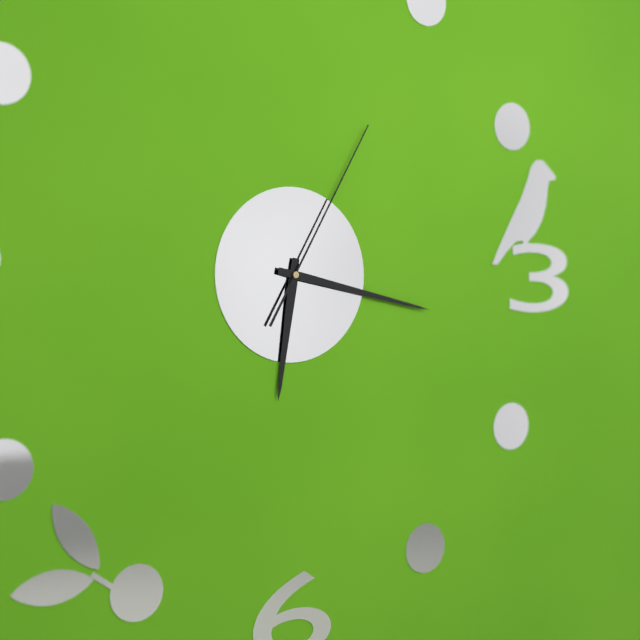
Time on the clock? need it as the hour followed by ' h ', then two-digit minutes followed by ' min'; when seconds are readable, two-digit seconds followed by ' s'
6 h 17 min 05 s
